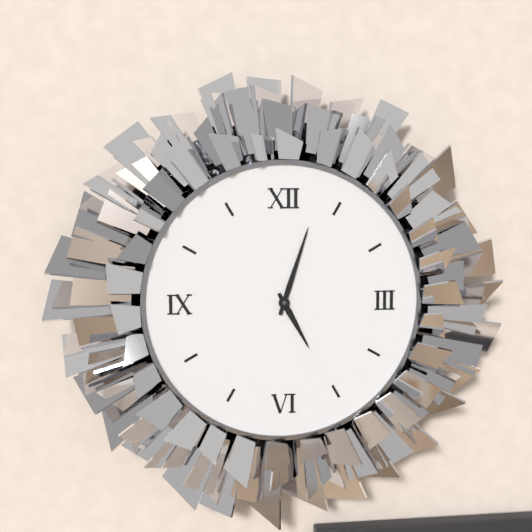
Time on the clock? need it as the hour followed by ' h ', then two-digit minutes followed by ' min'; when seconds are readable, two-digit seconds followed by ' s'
5 h 03 min
